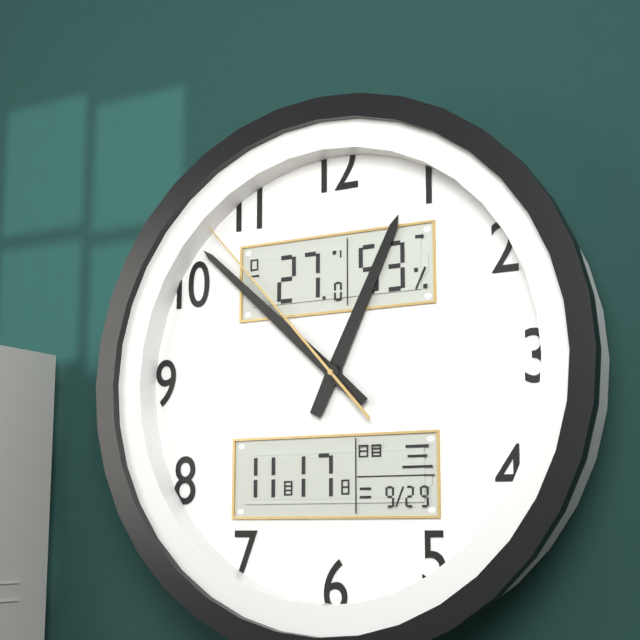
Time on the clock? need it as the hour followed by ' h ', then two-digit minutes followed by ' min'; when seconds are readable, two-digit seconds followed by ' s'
12 h 52 min 53 s
